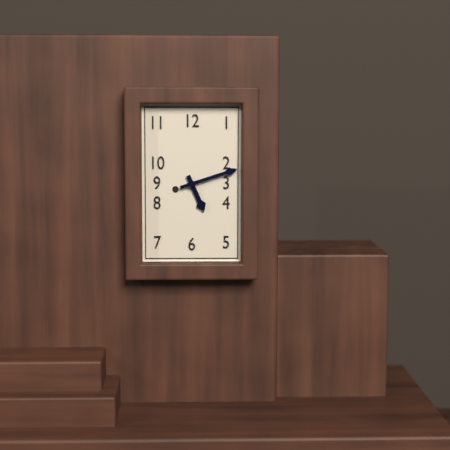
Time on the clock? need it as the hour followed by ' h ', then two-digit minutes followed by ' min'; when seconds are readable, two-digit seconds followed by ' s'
5 h 12 min
